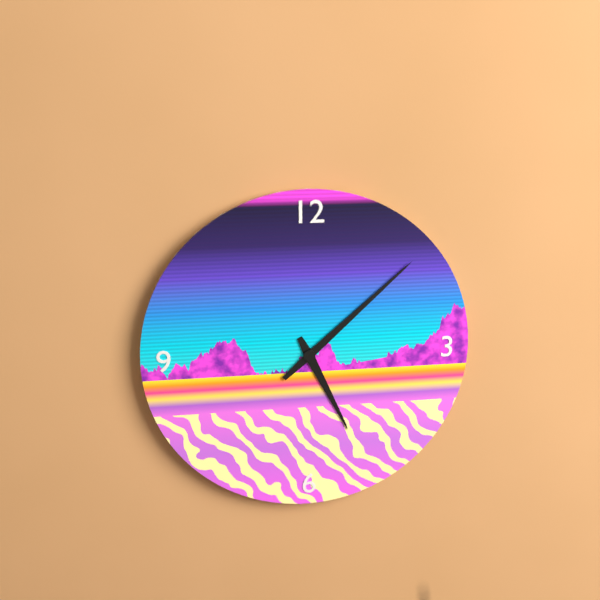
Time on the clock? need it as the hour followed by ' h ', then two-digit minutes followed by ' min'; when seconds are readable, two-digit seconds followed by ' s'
5 h 08 min
